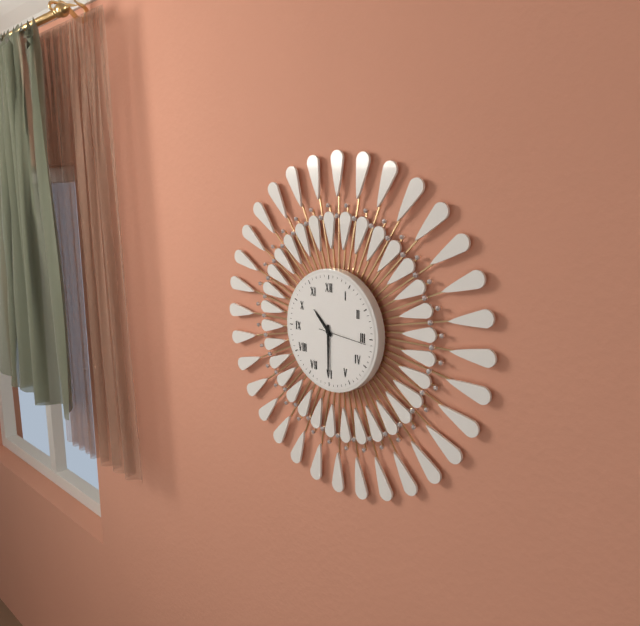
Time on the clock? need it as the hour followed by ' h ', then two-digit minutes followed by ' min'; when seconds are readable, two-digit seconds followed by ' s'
10 h 30 min
